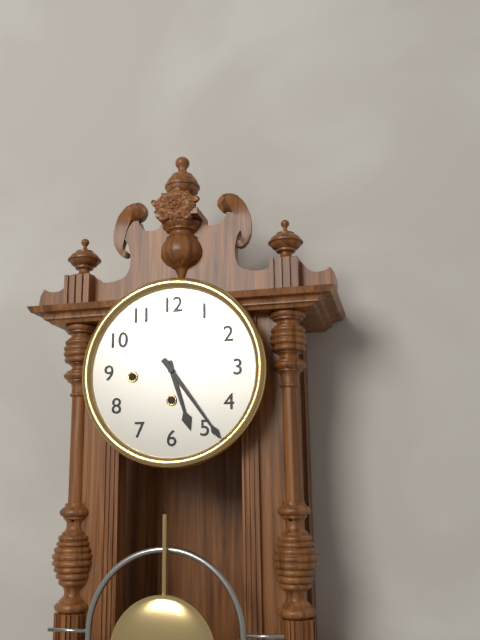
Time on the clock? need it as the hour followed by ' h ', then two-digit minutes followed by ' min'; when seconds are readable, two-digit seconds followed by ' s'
5 h 24 min
